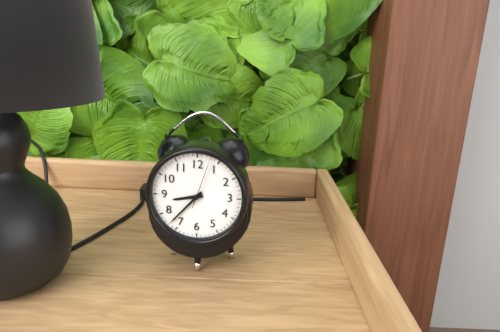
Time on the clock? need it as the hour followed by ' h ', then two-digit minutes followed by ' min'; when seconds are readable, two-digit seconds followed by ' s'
8 h 37 min 03 s
